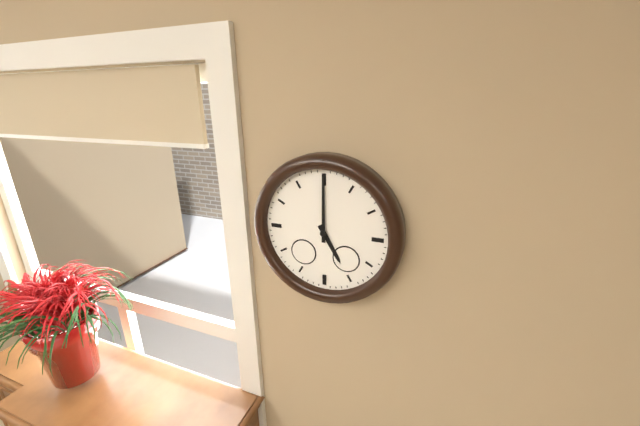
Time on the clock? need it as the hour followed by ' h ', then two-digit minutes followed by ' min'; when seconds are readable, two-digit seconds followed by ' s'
5 h 00 min
